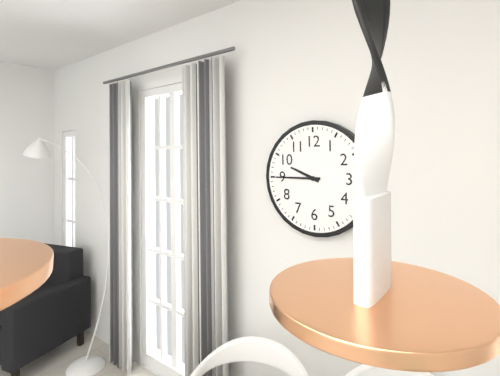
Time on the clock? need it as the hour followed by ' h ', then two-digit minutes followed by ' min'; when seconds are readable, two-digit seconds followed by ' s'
9 h 45 min
